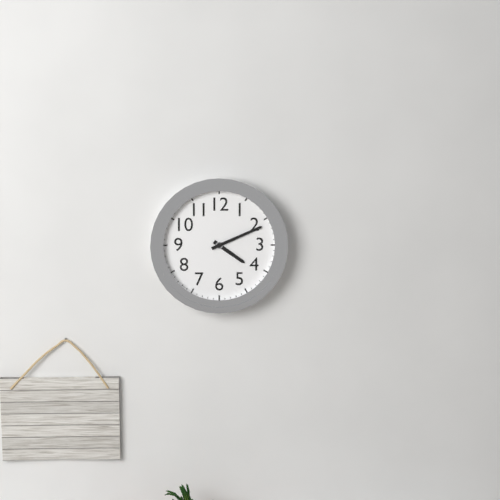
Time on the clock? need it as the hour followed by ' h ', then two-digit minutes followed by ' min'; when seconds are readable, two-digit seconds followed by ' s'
4 h 11 min
